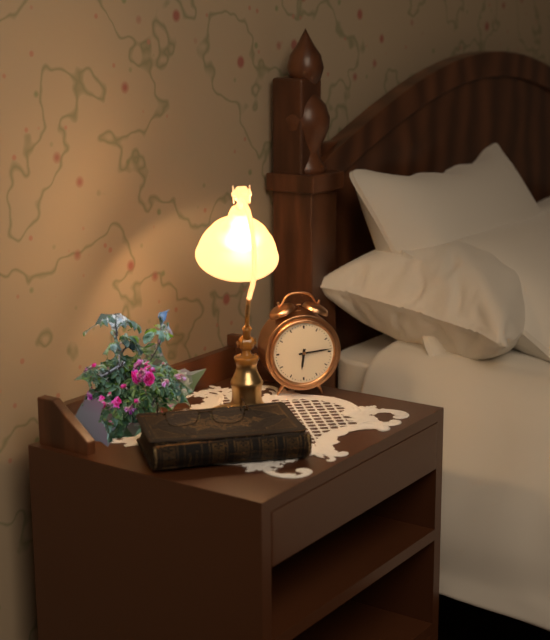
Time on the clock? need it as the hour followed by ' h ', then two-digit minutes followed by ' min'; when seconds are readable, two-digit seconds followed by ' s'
6 h 14 min
